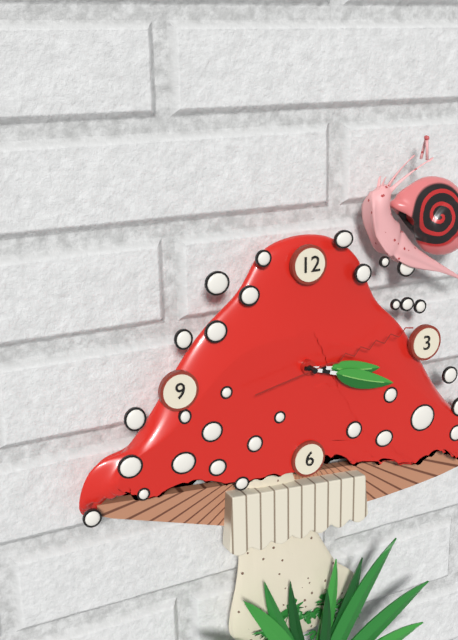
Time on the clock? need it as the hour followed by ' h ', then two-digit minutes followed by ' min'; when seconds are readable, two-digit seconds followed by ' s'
3 h 18 min 13 s
